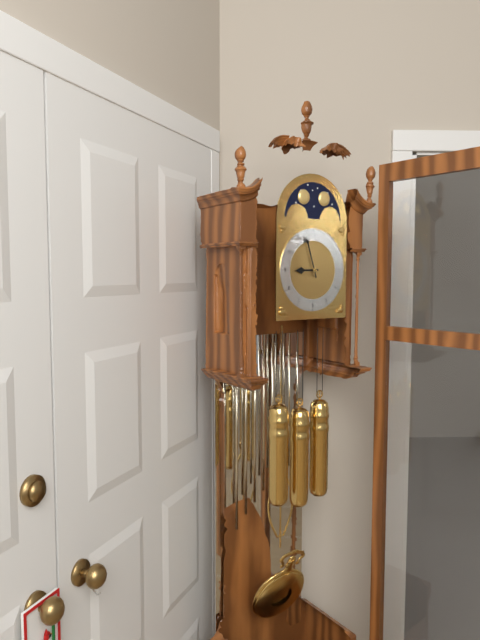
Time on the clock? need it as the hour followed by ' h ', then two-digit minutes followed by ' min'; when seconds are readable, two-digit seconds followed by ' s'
8 h 57 min
